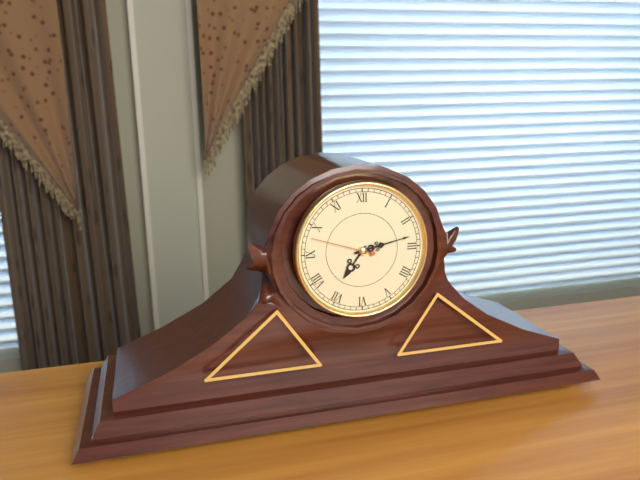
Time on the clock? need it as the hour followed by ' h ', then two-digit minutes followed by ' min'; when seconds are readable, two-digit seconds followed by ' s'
7 h 13 min 48 s
